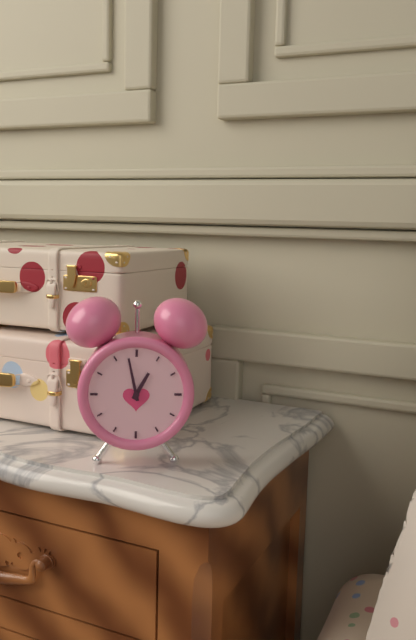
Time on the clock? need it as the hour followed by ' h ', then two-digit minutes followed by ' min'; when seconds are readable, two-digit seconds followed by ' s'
12 h 58 min
